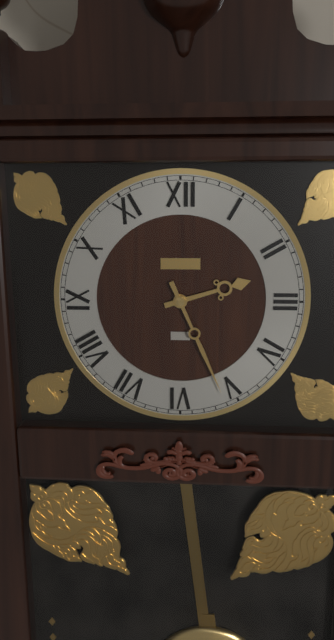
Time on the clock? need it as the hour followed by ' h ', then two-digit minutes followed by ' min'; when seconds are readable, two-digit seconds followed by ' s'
2 h 26 min
